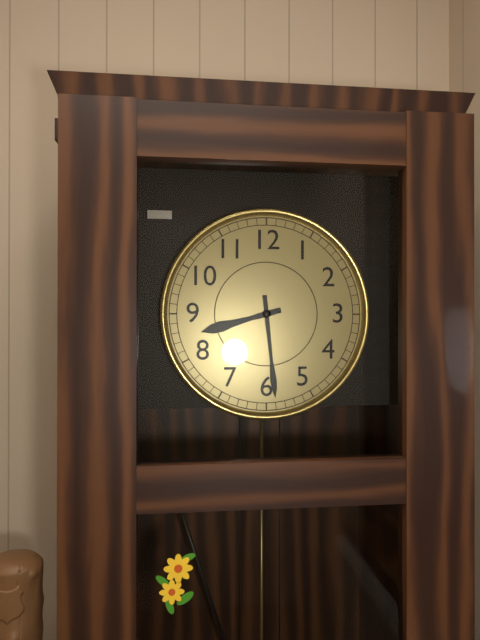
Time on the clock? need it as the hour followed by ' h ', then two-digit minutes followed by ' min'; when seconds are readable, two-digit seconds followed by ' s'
8 h 29 min
